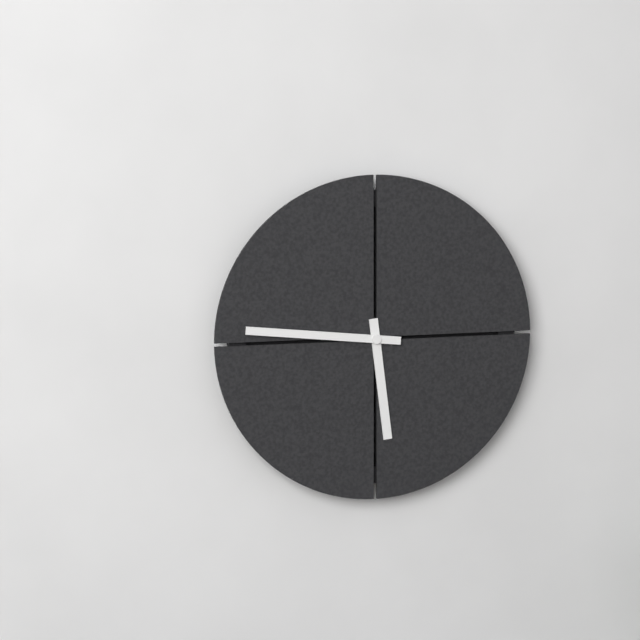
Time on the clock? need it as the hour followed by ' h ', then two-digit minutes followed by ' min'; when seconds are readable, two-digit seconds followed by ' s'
5 h 46 min
